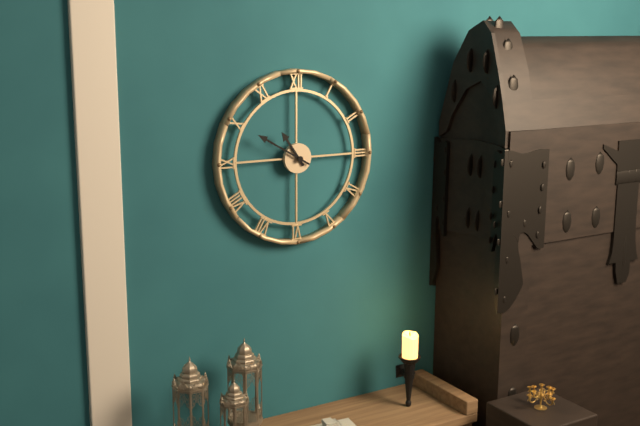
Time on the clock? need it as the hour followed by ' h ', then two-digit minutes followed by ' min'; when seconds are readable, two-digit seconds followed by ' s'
10 h 50 min
